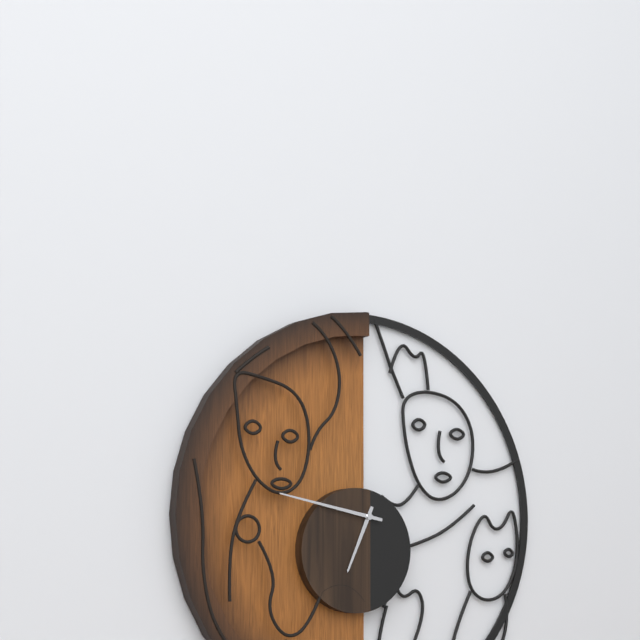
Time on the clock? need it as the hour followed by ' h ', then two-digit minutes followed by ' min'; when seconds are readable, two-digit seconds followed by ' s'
6 h 47 min
